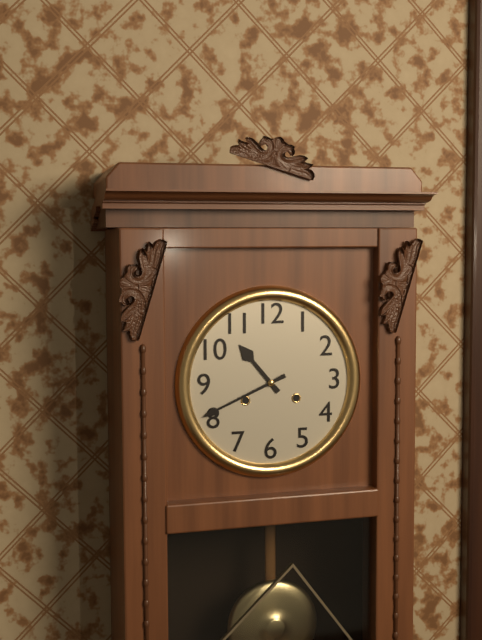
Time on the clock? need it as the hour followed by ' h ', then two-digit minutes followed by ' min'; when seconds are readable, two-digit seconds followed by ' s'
10 h 41 min
